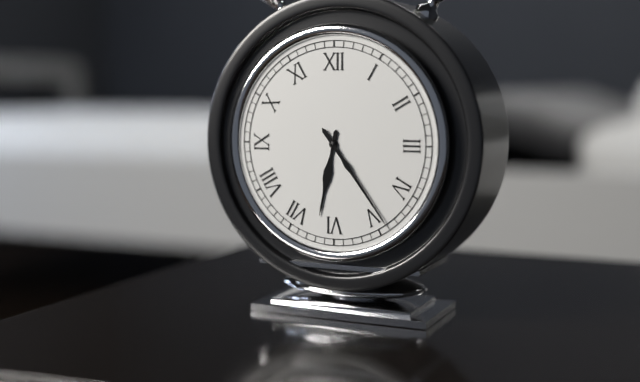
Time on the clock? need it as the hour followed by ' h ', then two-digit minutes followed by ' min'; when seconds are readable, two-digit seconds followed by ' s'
6 h 24 min
